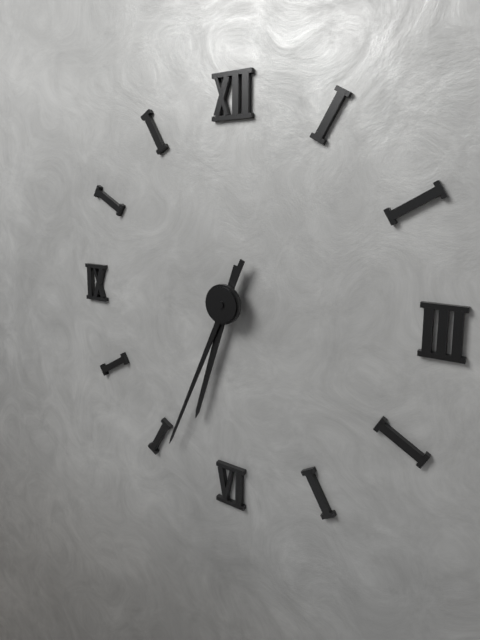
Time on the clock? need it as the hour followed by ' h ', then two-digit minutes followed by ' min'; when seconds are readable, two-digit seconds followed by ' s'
6 h 34 min
